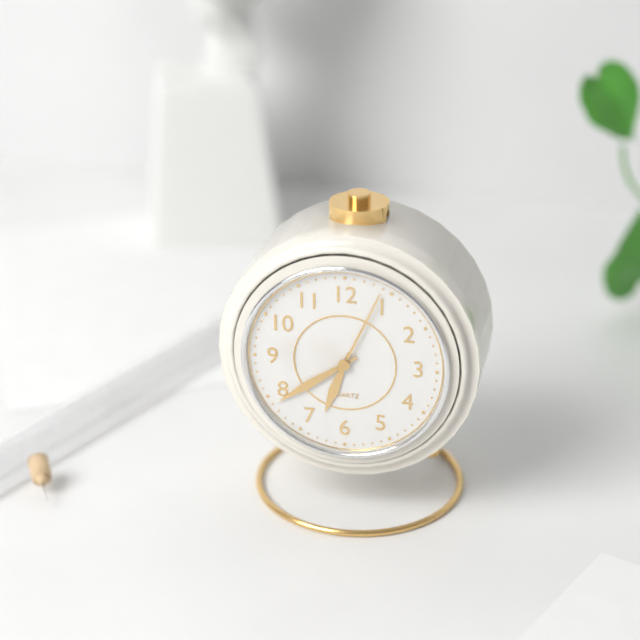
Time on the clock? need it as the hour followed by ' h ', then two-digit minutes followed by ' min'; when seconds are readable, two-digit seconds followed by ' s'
6 h 39 min 04 s
